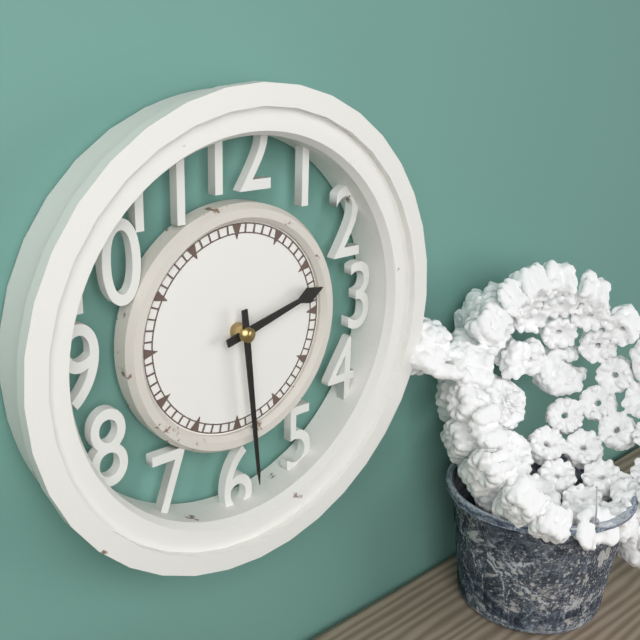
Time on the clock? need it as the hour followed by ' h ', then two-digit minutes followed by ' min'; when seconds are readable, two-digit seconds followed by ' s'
2 h 29 min
